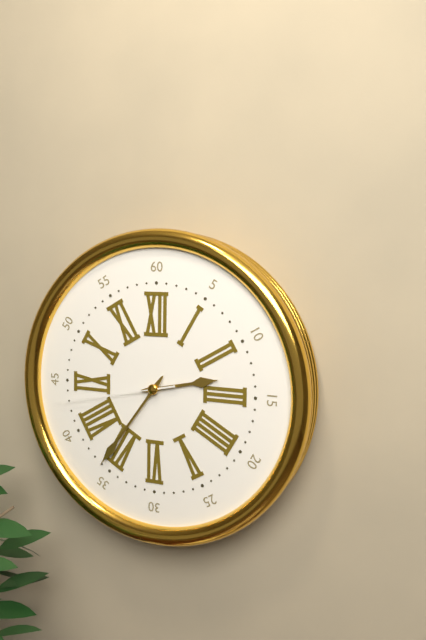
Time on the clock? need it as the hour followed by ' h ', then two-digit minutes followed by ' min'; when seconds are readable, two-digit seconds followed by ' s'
2 h 36 min 43 s
